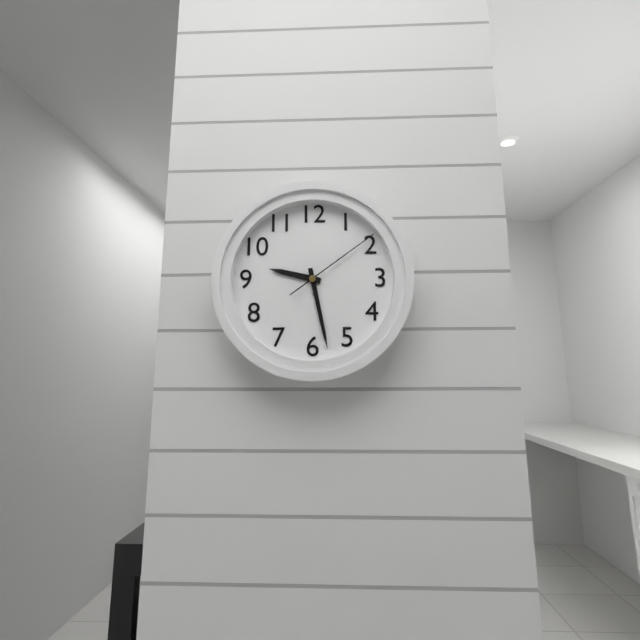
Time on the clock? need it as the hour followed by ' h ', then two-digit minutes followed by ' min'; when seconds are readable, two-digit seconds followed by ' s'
9 h 28 min 09 s
